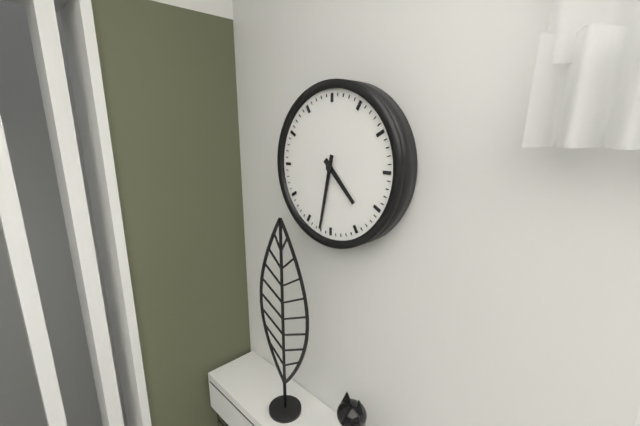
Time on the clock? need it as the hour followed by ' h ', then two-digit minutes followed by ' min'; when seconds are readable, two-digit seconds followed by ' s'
4 h 32 min
